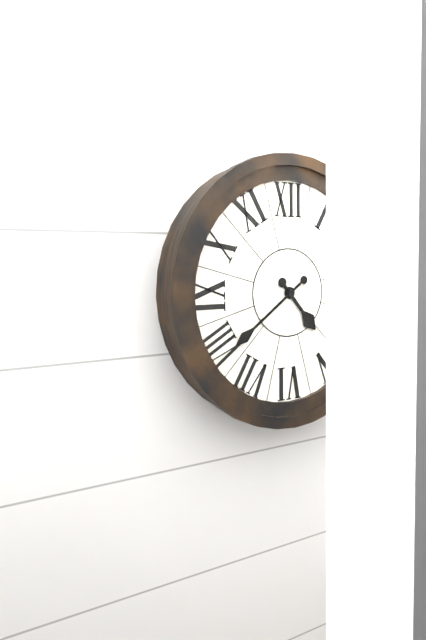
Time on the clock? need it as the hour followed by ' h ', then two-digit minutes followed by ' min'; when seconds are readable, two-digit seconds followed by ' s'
4 h 39 min
